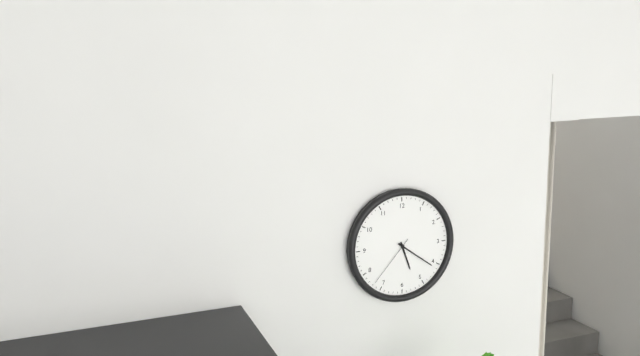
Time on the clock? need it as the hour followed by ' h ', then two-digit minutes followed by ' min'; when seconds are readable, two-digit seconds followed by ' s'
5 h 21 min 37 s
